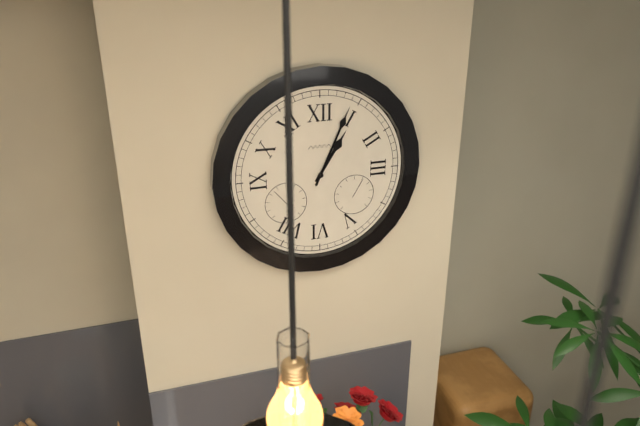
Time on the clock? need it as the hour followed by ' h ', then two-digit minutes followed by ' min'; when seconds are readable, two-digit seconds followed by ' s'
1 h 04 min
